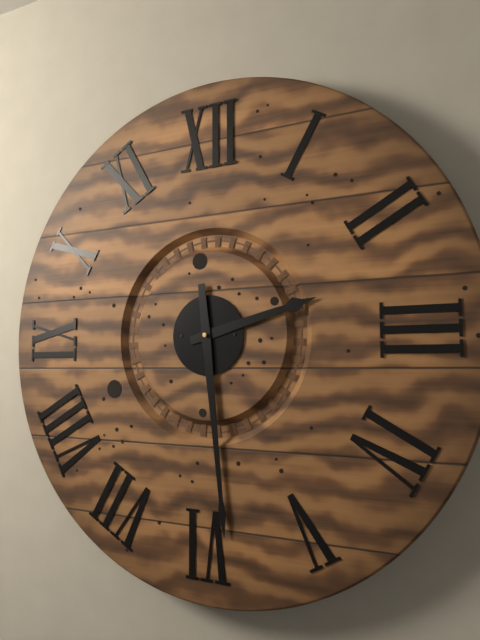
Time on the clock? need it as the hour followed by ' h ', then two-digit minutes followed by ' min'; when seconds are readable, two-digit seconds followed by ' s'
2 h 29 min
